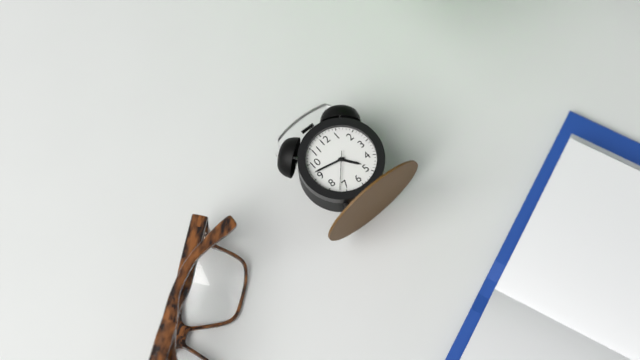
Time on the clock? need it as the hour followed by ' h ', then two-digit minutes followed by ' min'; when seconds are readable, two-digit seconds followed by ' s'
4 h 47 min
